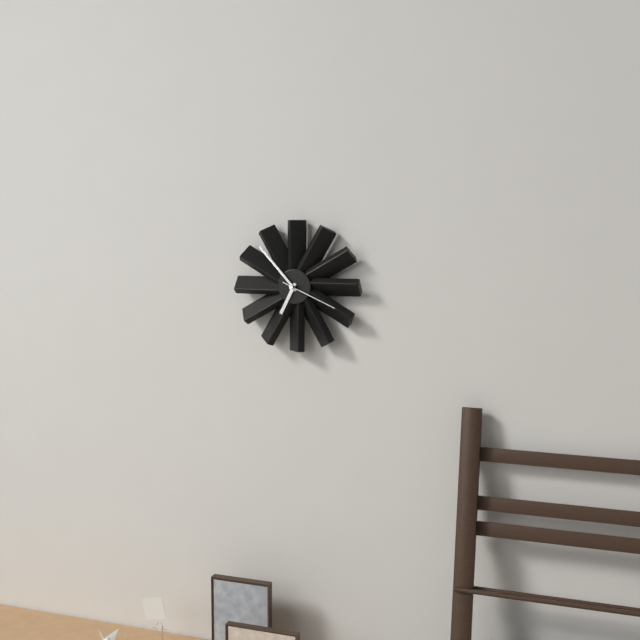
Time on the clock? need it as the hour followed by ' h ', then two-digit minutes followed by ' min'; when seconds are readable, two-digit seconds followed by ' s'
6 h 53 min 19 s
